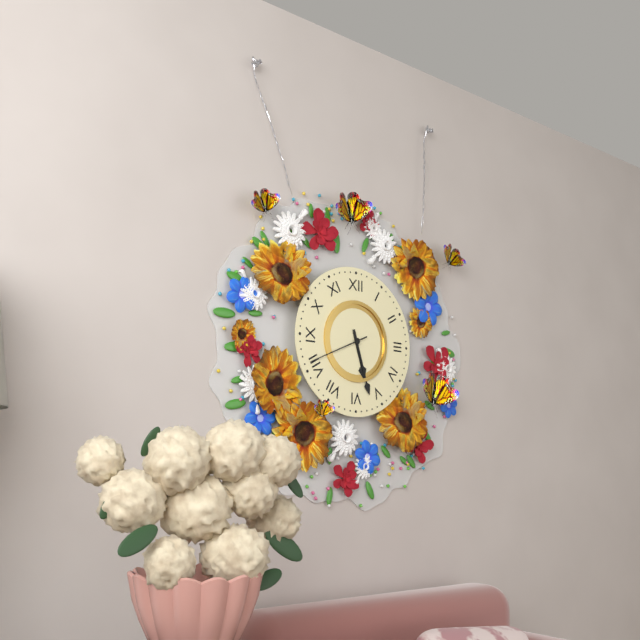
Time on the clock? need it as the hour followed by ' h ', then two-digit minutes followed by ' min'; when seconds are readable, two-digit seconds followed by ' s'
5 h 27 min 41 s
